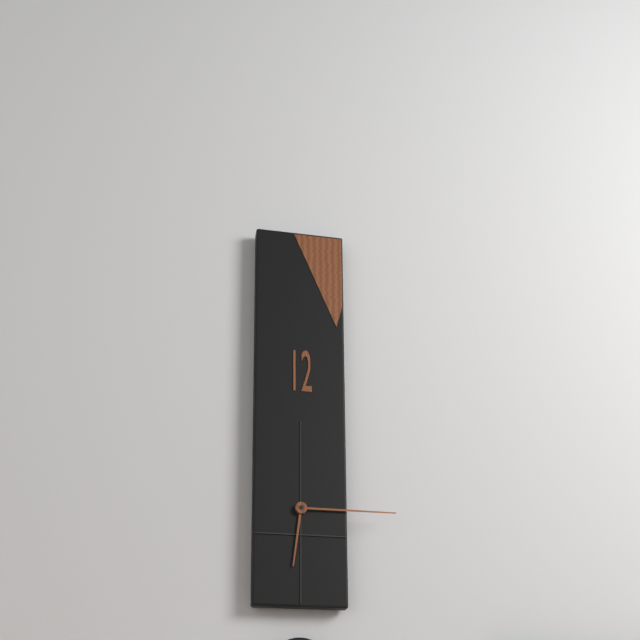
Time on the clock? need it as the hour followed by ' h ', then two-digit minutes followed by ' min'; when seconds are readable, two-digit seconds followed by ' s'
6 h 15 min
